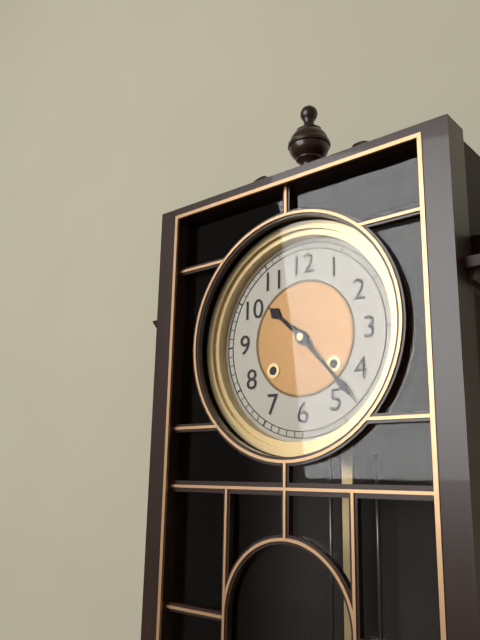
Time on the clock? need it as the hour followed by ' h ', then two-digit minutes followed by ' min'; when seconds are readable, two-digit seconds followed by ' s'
10 h 23 min
